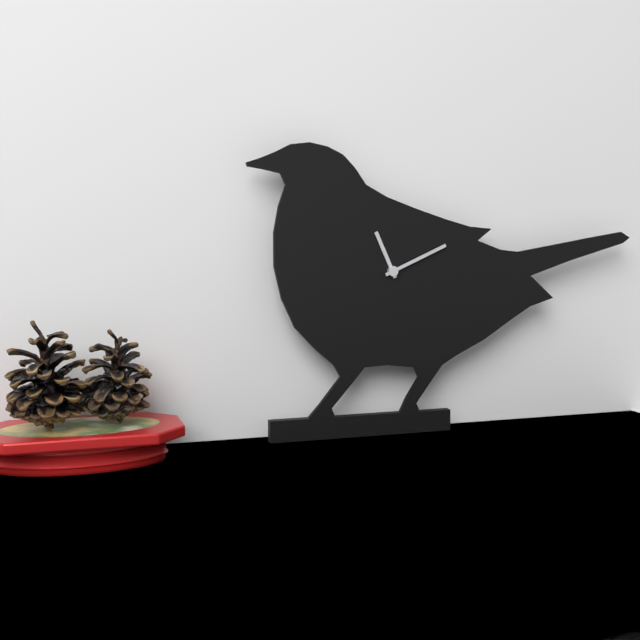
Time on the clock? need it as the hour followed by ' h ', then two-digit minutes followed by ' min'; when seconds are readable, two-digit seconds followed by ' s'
11 h 11 min
